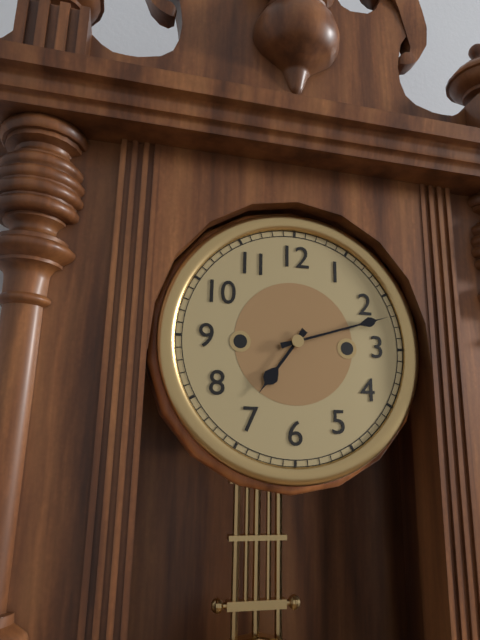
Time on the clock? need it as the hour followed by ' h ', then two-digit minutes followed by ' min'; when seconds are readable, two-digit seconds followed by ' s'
7 h 12 min
